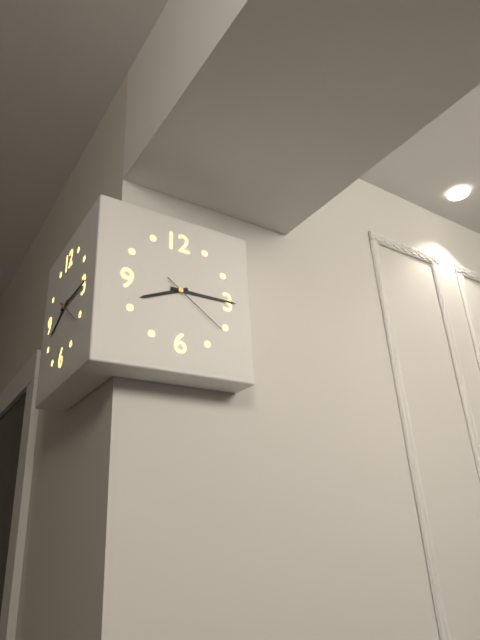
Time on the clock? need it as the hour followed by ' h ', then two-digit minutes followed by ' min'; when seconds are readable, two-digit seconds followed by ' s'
8 h 15 min 21 s
